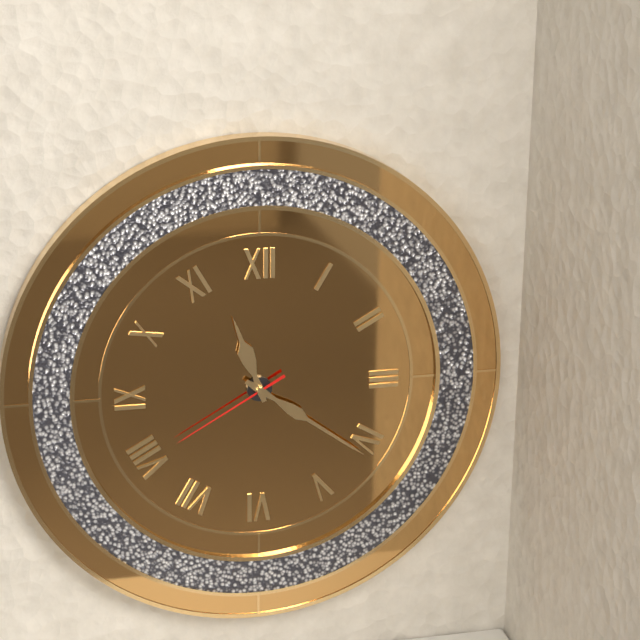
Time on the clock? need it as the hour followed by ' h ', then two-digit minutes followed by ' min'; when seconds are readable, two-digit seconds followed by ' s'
11 h 21 min 40 s
